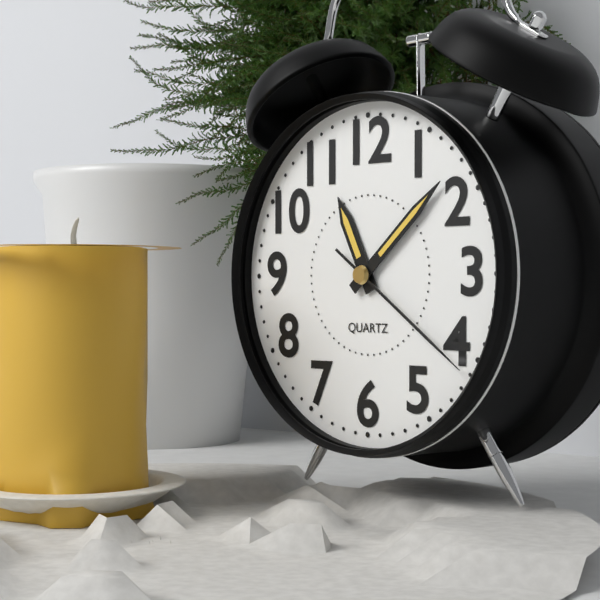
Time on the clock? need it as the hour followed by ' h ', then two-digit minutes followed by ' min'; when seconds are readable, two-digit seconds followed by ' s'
11 h 08 min 21 s
